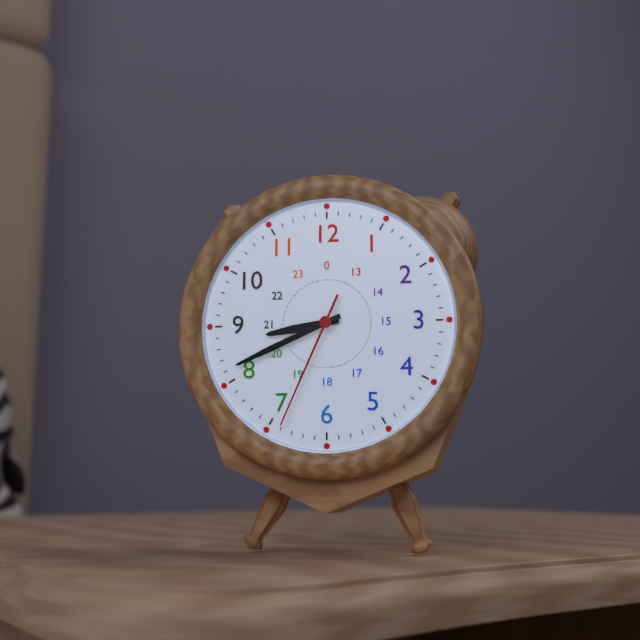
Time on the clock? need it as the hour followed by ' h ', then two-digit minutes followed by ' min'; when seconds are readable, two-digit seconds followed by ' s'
8 h 41 min 34 s
